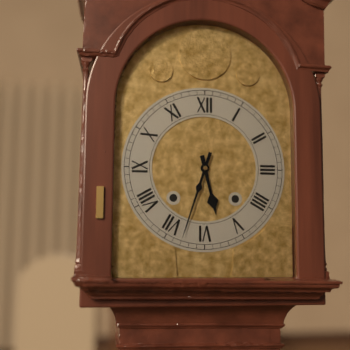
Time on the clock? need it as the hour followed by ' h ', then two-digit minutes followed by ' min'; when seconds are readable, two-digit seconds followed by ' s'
5 h 33 min
